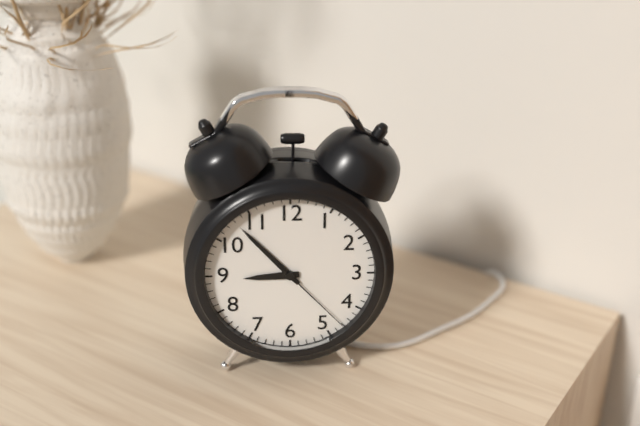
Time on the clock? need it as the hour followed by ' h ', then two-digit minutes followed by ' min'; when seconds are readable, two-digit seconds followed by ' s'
8 h 53 min 23 s
